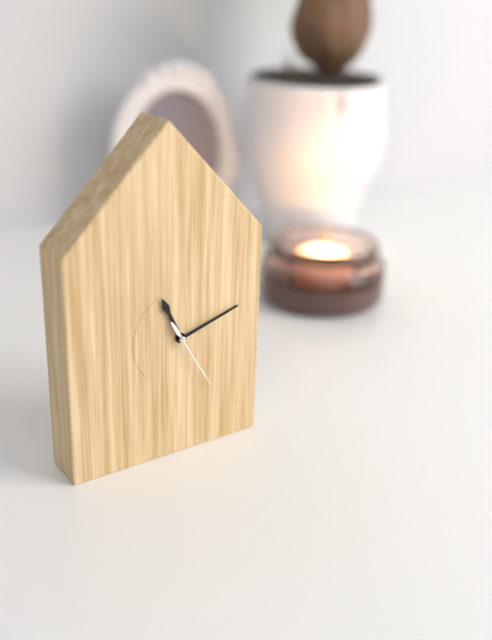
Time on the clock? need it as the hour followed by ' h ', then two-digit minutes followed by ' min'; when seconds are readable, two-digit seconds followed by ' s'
11 h 12 min 25 s
